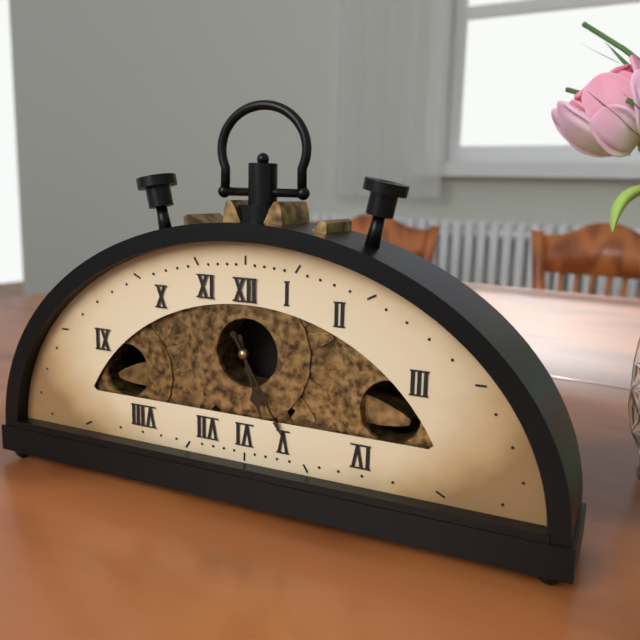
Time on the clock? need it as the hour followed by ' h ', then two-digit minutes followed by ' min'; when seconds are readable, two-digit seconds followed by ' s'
5 h 25 min
